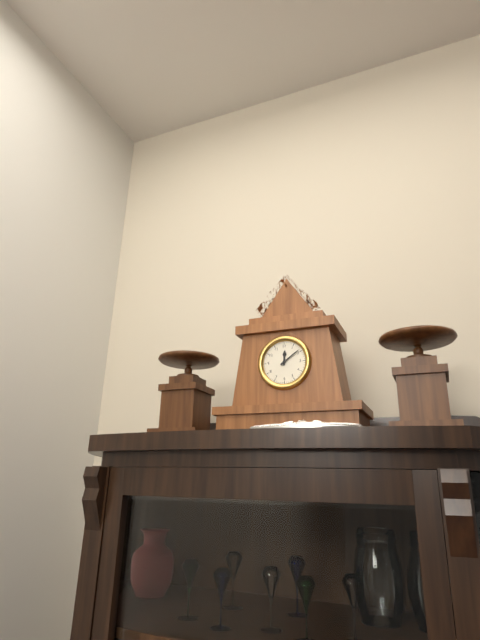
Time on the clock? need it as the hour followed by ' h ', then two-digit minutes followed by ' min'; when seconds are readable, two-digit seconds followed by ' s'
12 h 09 min
